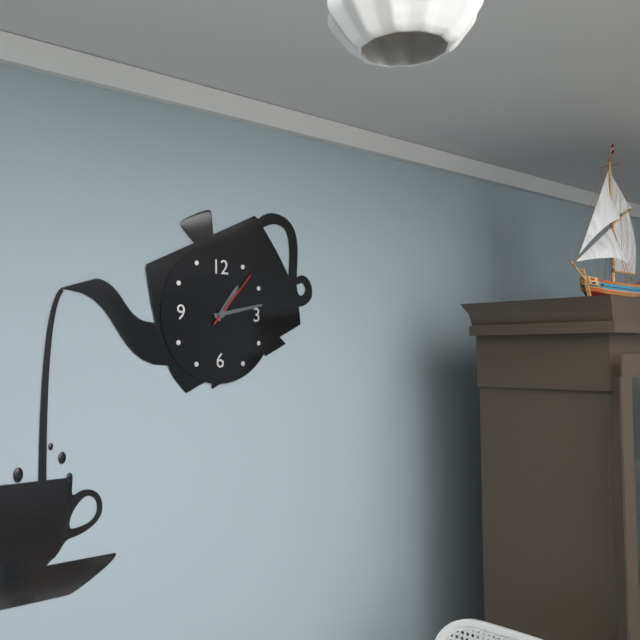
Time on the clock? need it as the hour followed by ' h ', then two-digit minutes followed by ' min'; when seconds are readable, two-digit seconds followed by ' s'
1 h 13 min 07 s
